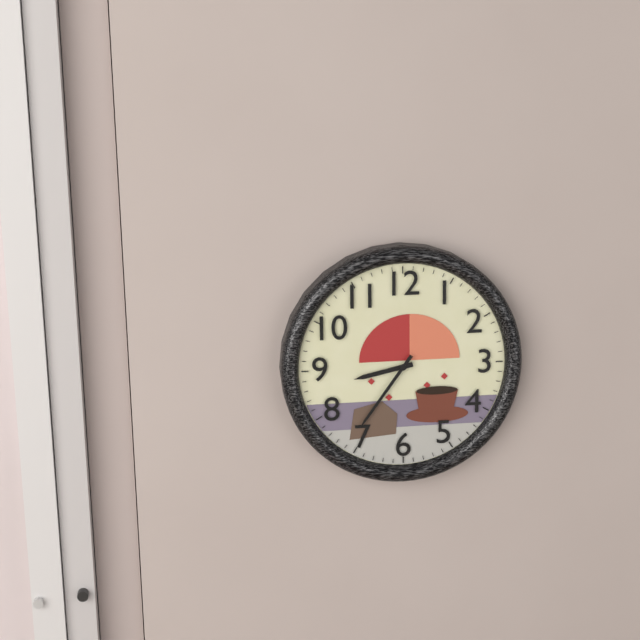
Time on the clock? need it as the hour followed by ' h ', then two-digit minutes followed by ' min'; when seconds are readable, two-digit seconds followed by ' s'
8 h 36 min
